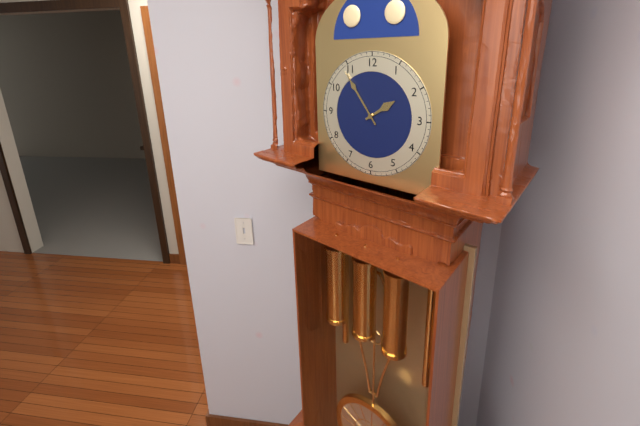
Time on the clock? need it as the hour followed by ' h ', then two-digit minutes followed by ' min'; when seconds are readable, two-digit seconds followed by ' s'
1 h 54 min
